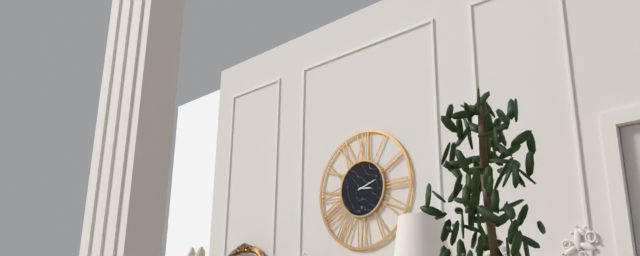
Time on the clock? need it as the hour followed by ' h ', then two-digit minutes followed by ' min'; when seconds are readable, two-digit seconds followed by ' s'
3 h 12 min
